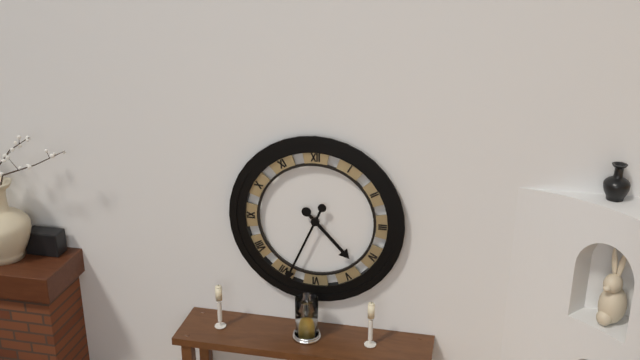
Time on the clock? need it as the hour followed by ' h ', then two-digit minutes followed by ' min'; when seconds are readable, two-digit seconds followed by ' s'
4 h 34 min
